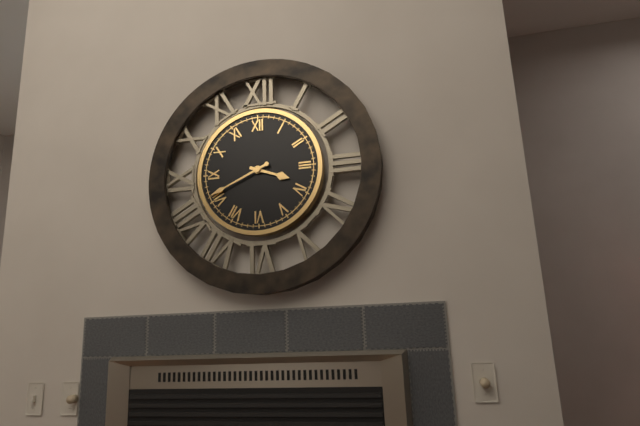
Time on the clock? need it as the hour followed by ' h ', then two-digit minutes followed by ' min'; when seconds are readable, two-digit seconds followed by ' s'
3 h 41 min
